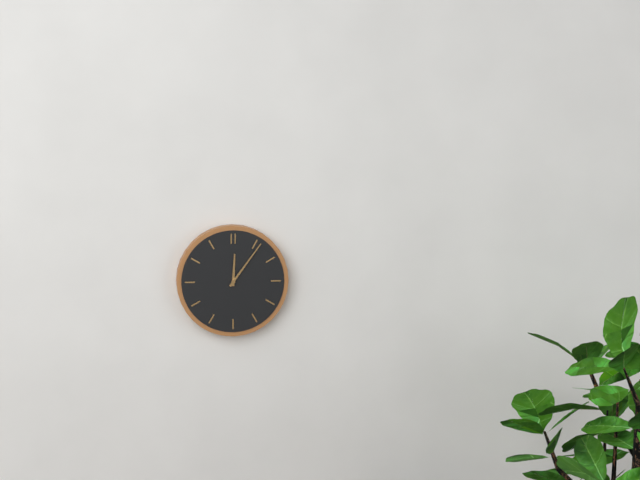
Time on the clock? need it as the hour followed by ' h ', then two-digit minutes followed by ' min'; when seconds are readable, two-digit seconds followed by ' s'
12 h 06 min
